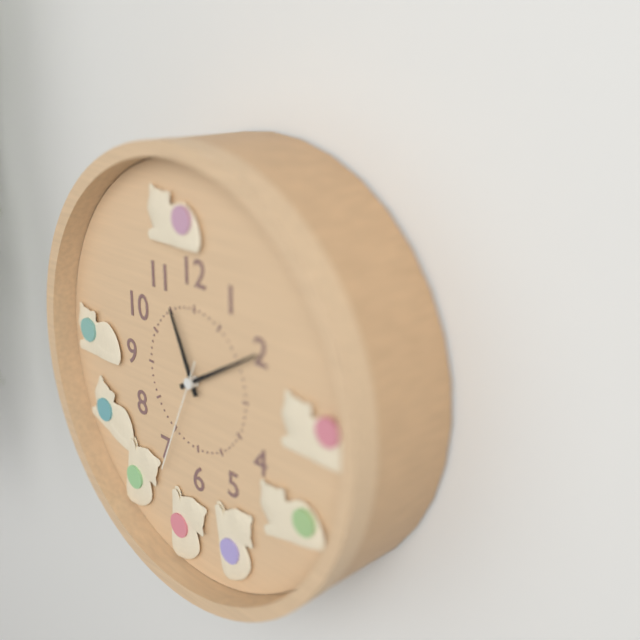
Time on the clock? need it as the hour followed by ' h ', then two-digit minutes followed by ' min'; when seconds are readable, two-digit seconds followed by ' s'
11 h 10 min 34 s
